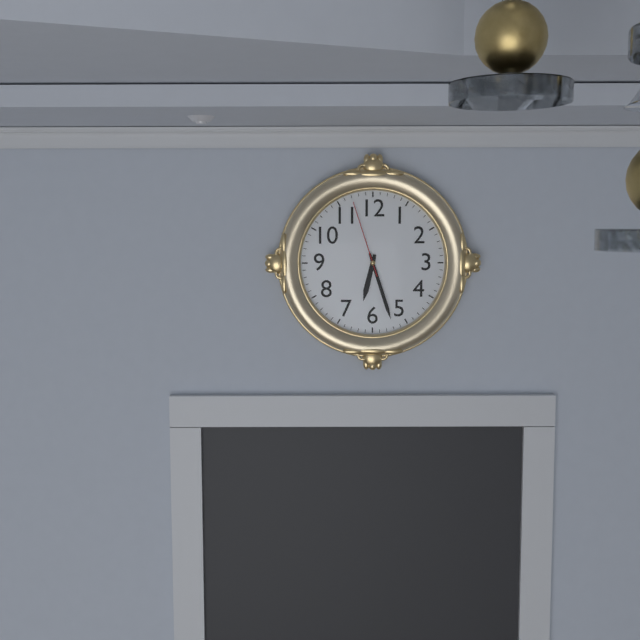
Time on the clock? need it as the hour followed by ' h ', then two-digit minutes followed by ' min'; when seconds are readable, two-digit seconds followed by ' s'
6 h 27 min 57 s
